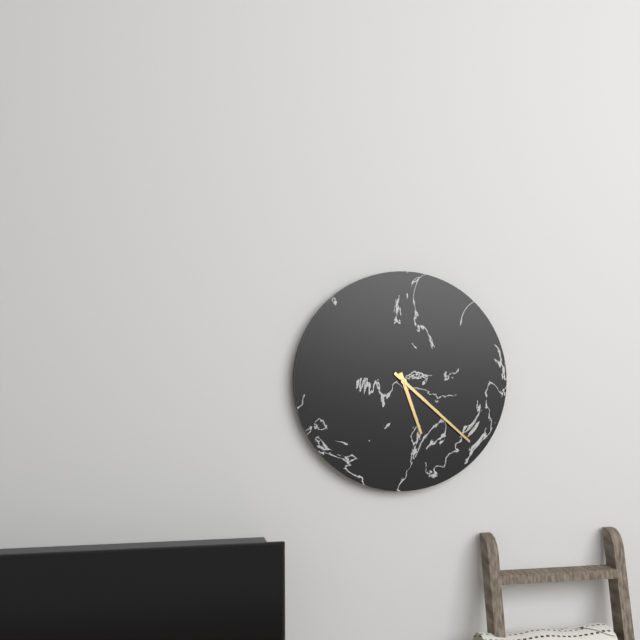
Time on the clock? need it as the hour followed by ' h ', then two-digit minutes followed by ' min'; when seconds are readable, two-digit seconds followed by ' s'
5 h 22 min
